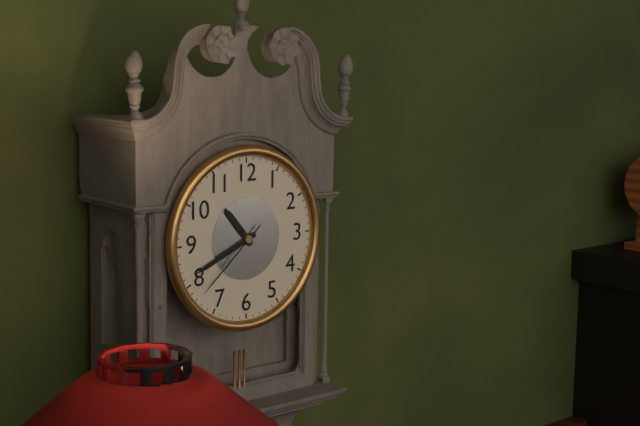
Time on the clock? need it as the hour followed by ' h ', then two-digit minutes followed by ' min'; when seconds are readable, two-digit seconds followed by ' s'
10 h 41 min 38 s
